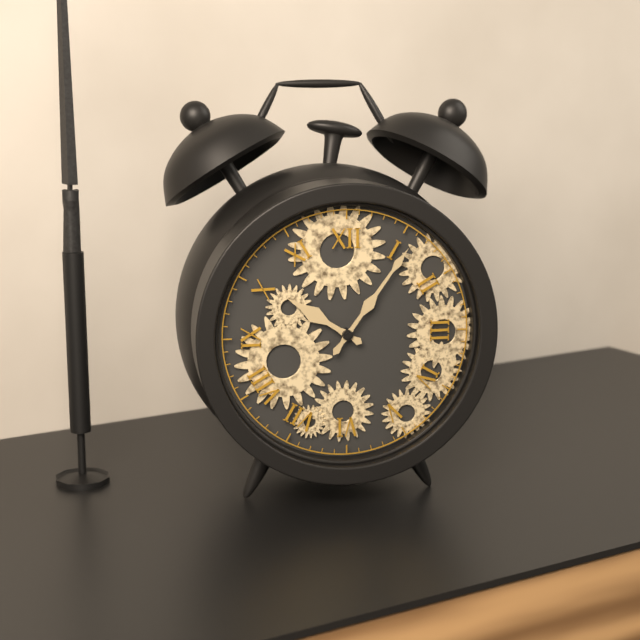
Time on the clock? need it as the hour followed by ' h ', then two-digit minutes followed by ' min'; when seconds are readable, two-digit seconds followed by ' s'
10 h 06 min
